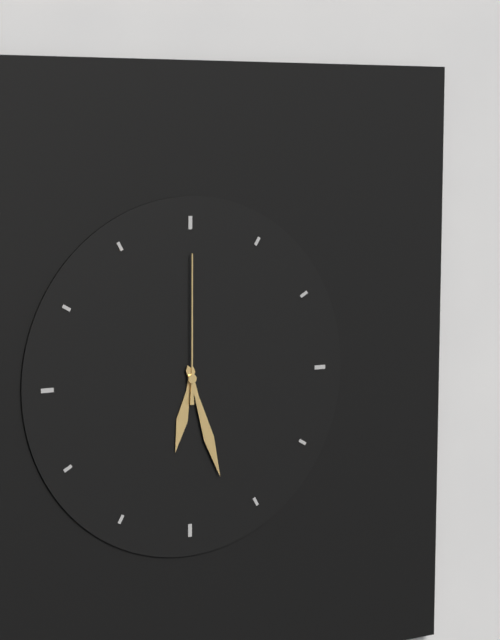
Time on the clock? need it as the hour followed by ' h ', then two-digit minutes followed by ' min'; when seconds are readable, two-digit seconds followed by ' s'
6 h 27 min 00 s
